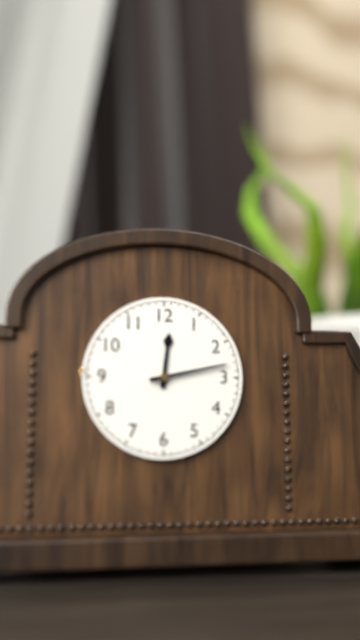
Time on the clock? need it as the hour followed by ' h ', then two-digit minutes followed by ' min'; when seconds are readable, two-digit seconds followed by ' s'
12 h 13 min
